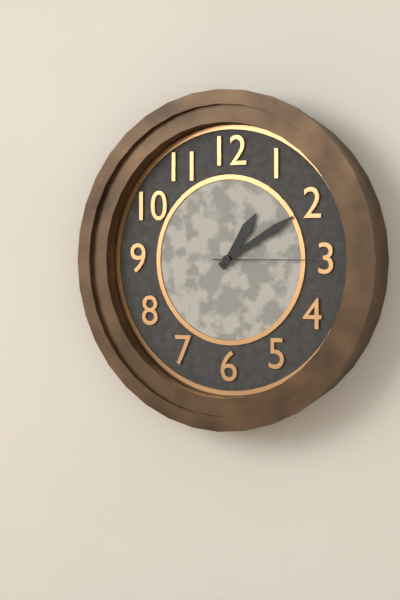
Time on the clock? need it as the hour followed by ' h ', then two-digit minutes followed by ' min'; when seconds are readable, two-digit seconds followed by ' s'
1 h 10 min 15 s
